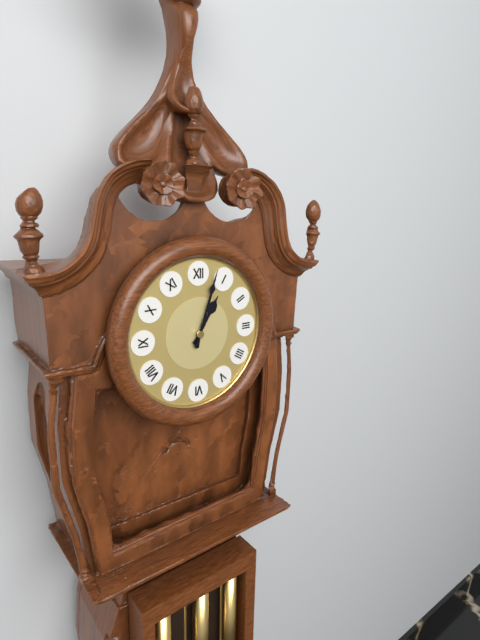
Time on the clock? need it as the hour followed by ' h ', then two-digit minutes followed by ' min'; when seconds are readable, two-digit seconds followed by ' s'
1 h 03 min
